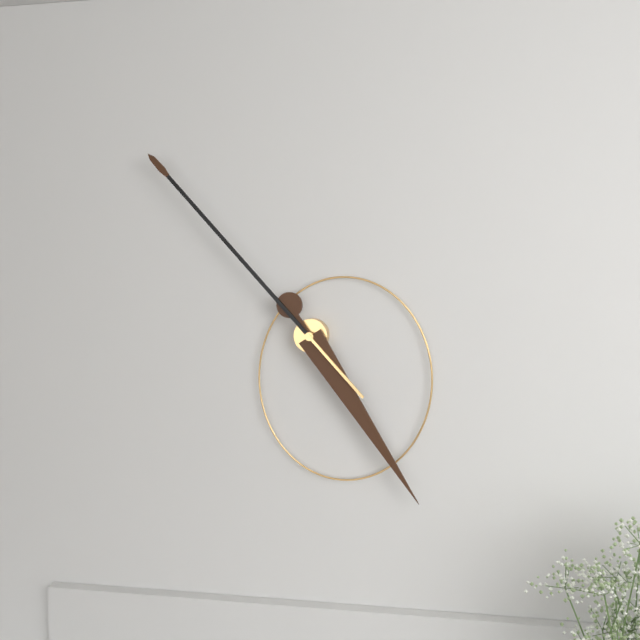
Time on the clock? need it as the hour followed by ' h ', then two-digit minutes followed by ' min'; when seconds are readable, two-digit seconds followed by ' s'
4 h 53 min
